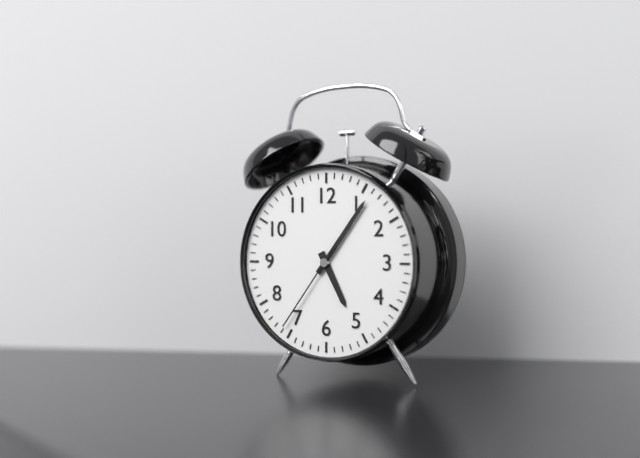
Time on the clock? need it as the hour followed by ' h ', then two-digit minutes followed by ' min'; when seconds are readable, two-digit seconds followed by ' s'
5 h 06 min 36 s
